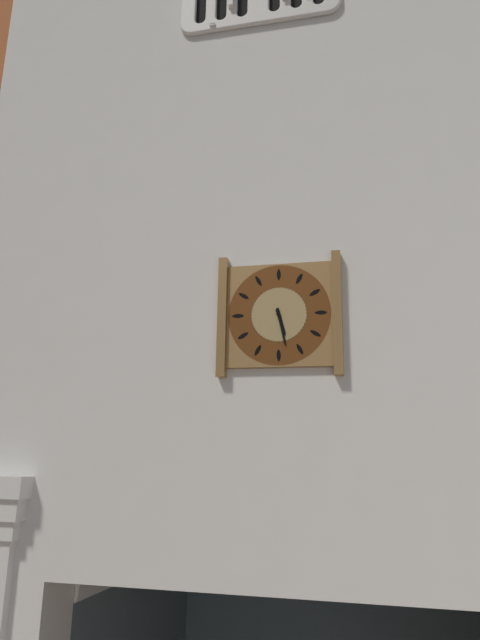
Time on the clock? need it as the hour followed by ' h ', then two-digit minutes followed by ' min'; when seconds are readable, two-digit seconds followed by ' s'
5 h 28 min
